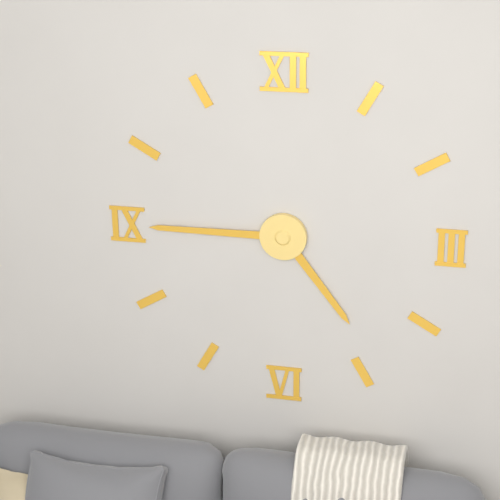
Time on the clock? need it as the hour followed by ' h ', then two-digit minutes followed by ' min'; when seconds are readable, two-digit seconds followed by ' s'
4 h 45 min
